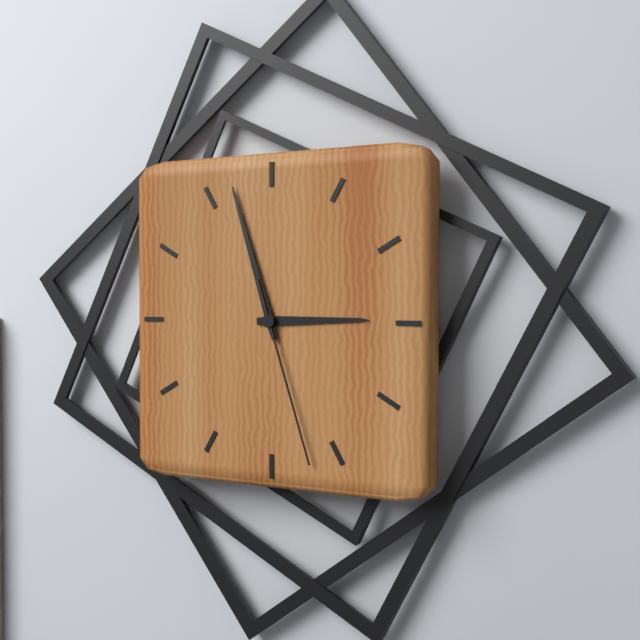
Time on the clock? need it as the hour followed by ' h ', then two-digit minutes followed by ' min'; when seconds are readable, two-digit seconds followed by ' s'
2 h 57 min 27 s
